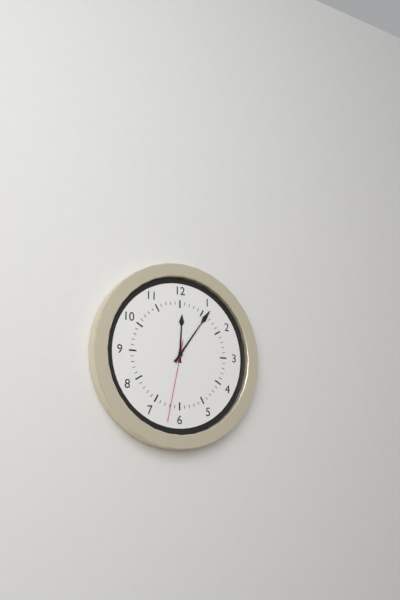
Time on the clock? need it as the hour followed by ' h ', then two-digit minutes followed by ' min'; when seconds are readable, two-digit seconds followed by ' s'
12 h 06 min 32 s
